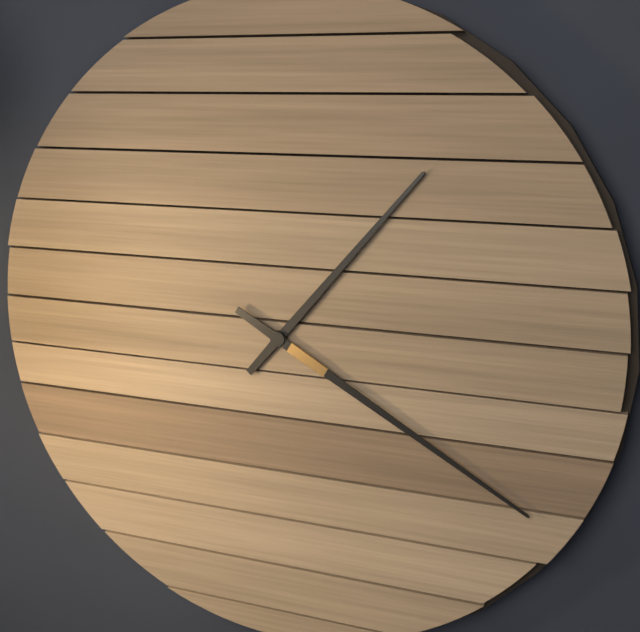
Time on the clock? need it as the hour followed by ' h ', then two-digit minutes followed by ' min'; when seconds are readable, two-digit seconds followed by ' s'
1 h 20 min
